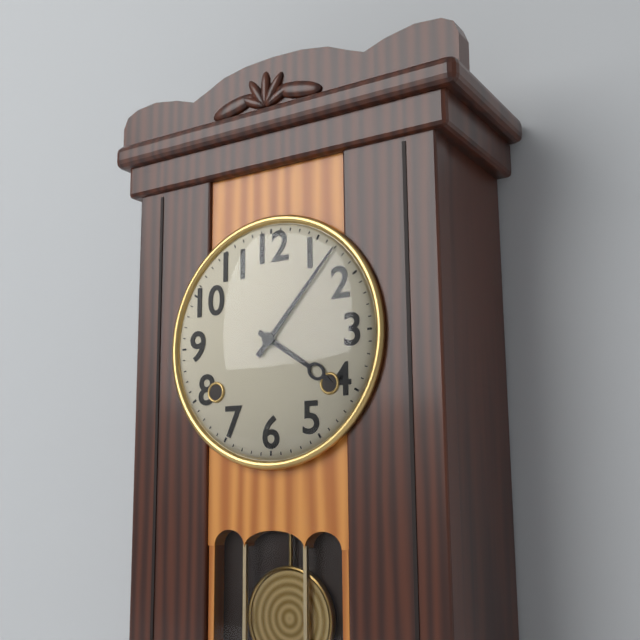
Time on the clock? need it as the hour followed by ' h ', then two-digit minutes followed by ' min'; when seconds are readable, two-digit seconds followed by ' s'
4 h 07 min
